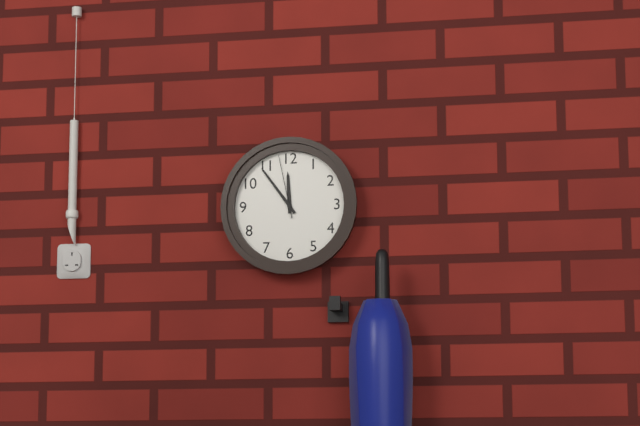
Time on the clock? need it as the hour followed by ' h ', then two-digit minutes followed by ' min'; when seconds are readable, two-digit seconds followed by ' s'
11 h 54 min 58 s
